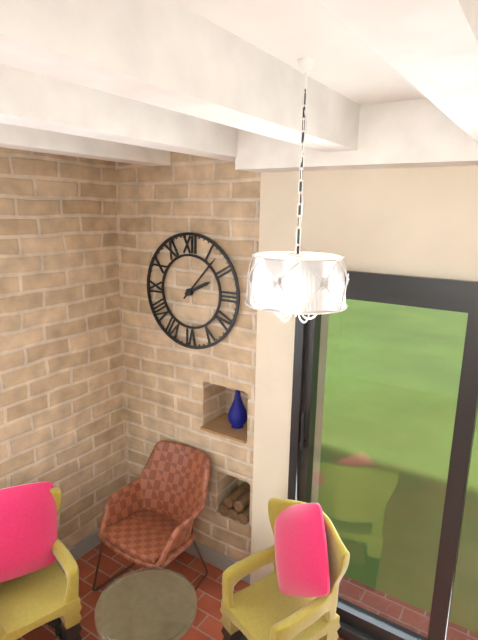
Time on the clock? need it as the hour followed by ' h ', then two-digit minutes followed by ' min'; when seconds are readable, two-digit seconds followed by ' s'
2 h 07 min
